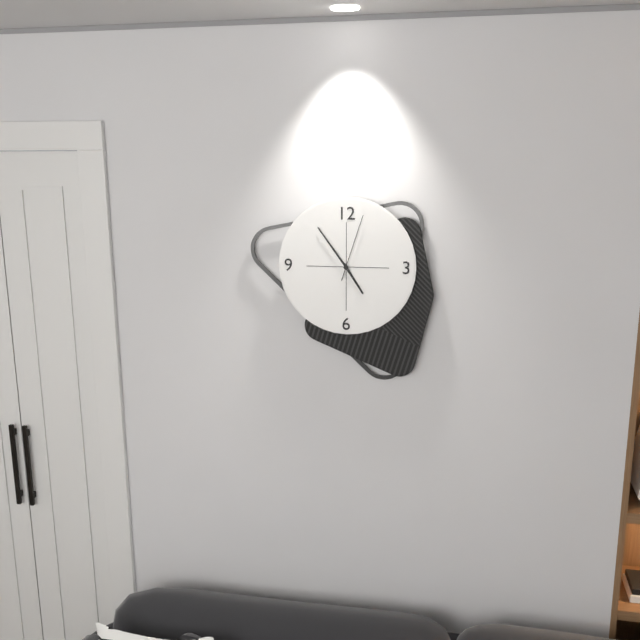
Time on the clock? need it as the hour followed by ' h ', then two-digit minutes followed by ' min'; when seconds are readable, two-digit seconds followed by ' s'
4 h 54 min 03 s
